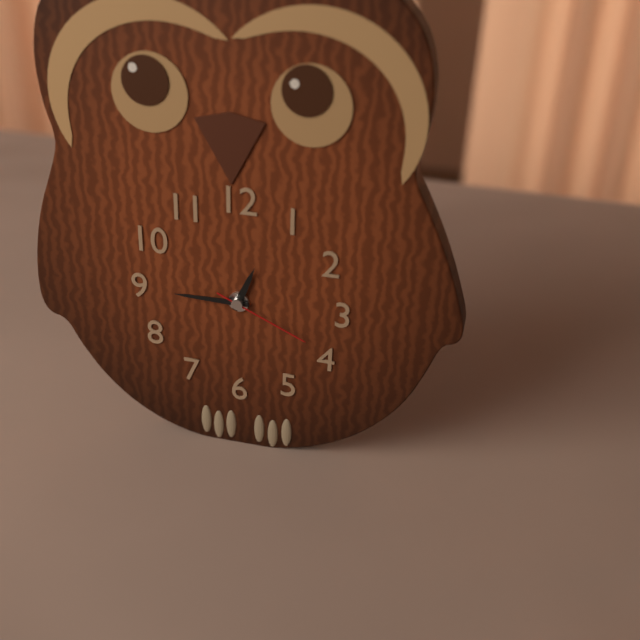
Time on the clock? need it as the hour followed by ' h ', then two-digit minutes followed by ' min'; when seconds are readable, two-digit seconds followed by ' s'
12 h 45 min 19 s
